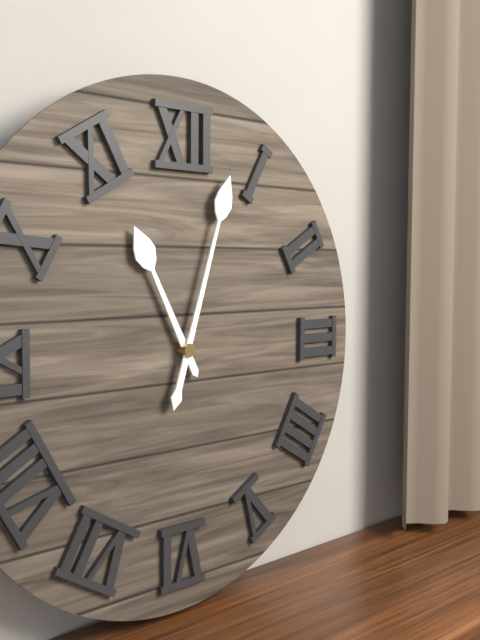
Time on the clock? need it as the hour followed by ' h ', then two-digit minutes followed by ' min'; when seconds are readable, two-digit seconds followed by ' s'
11 h 03 min
